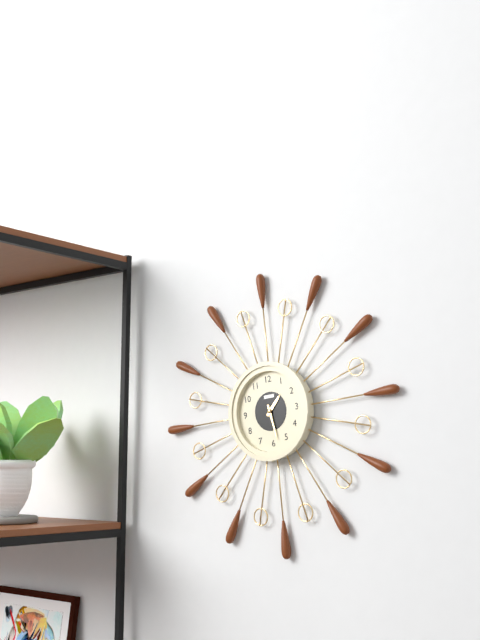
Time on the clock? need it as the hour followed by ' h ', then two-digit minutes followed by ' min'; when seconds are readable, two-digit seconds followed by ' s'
1 h 28 min
